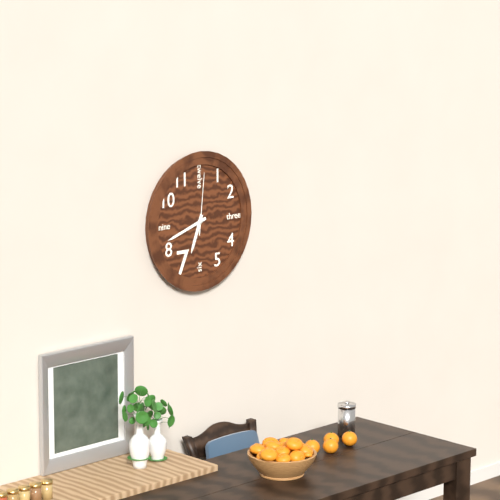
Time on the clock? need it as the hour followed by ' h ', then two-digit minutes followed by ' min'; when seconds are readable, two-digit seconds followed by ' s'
6 h 42 min 01 s
